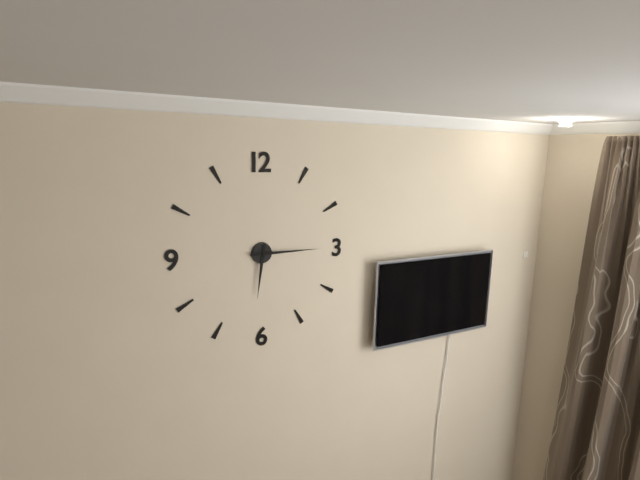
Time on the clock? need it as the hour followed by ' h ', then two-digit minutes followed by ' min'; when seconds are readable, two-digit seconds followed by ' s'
6 h 15 min
